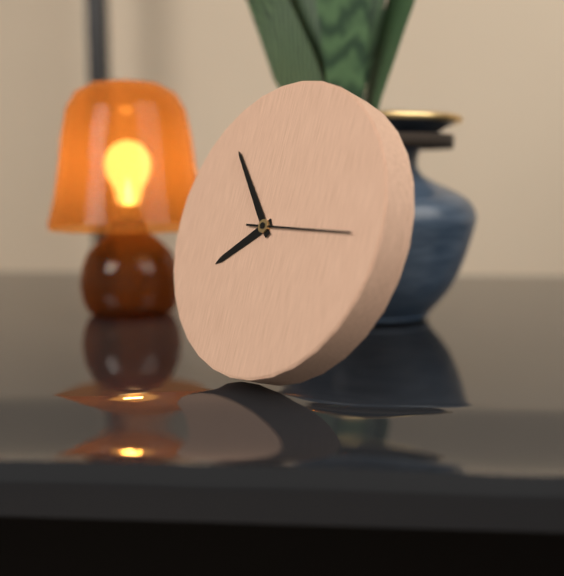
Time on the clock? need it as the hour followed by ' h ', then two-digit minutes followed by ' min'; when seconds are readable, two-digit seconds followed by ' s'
7 h 53 min 15 s
